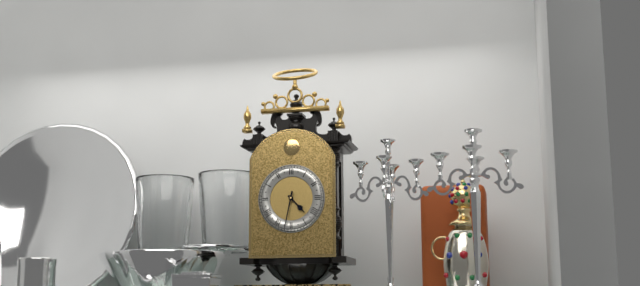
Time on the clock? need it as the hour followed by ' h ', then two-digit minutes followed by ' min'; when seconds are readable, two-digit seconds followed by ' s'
4 h 32 min
